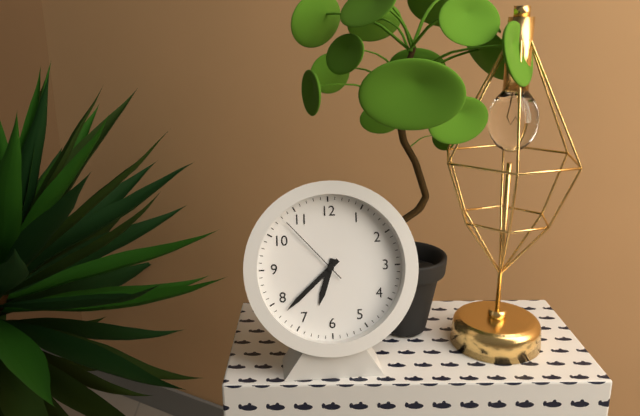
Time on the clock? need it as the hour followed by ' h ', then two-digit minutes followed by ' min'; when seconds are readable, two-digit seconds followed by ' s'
6 h 38 min 53 s
